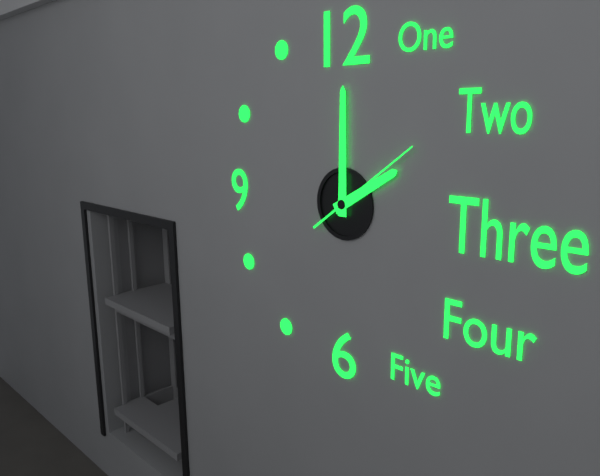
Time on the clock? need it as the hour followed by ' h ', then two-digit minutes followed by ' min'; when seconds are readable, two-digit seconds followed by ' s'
2 h 00 min 09 s
